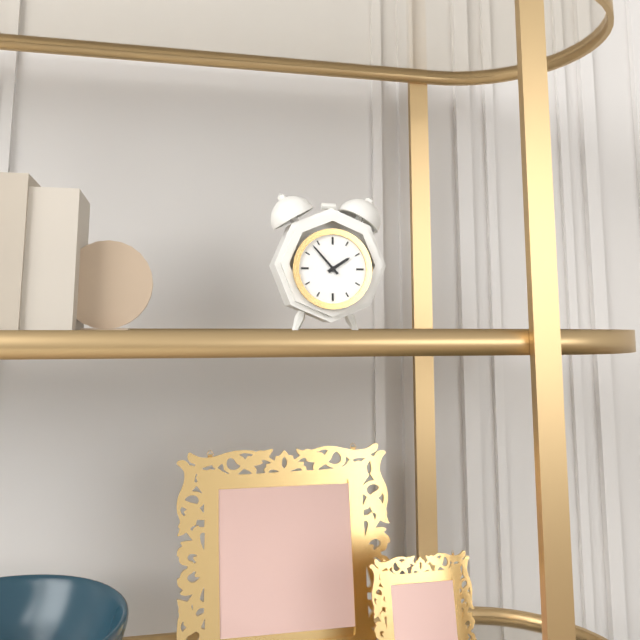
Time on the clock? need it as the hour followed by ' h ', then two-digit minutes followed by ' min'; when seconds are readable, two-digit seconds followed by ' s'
1 h 53 min
